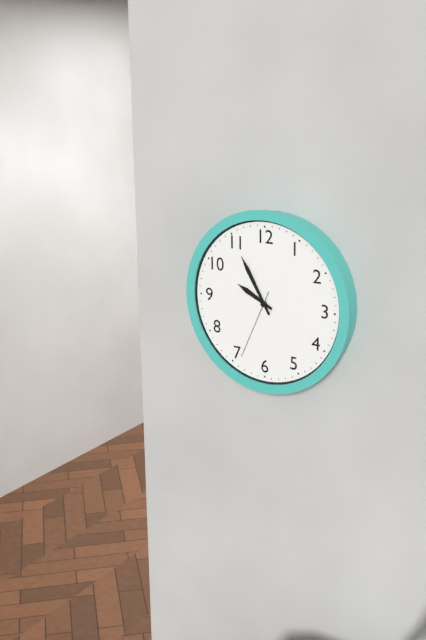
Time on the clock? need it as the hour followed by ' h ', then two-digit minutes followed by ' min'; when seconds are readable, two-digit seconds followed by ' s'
9 h 55 min 34 s
